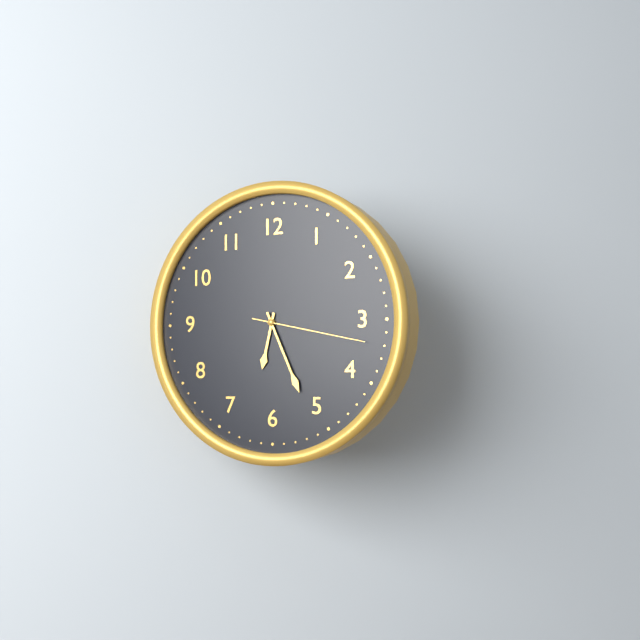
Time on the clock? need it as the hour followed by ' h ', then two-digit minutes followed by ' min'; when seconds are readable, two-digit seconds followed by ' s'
6 h 26 min 17 s
